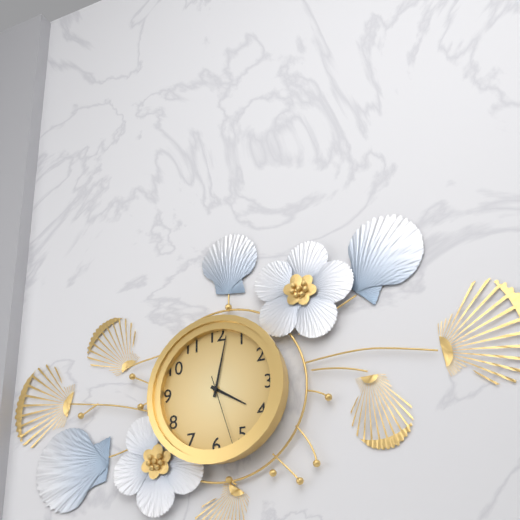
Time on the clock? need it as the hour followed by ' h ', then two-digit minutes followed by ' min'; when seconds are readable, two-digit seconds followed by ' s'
4 h 02 min 27 s
